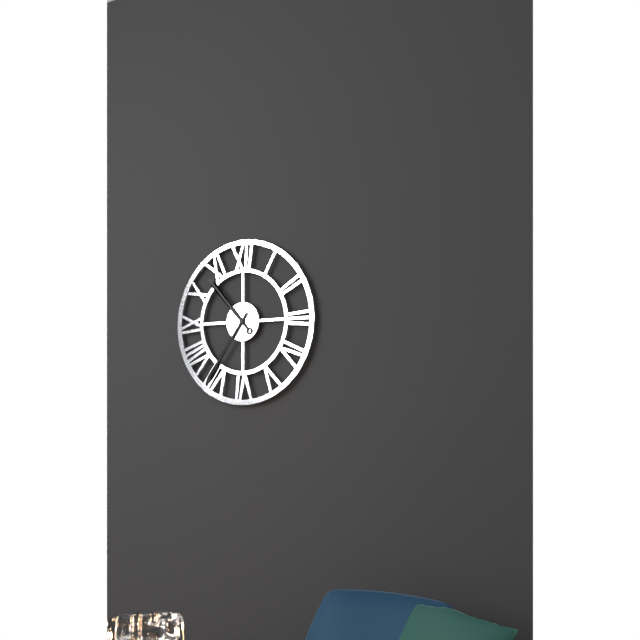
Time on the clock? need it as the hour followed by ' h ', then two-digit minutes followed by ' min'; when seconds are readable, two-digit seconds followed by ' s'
10 h 36 min
